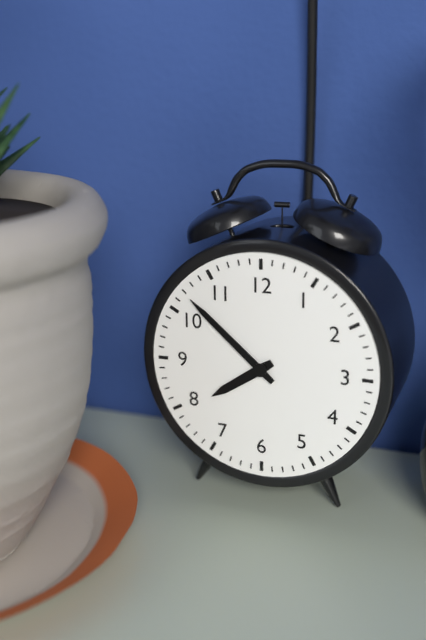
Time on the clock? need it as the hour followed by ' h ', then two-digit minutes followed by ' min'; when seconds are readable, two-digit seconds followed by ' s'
7 h 52 min
